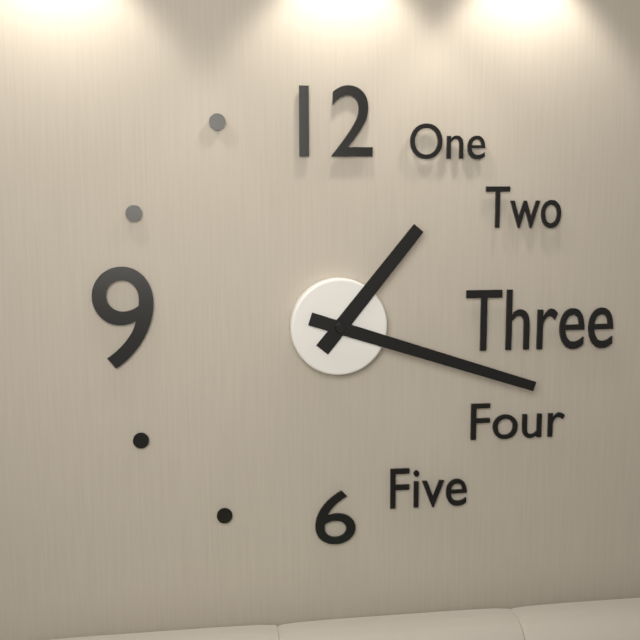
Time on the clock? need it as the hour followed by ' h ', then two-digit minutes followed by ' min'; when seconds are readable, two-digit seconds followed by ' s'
1 h 18 min
